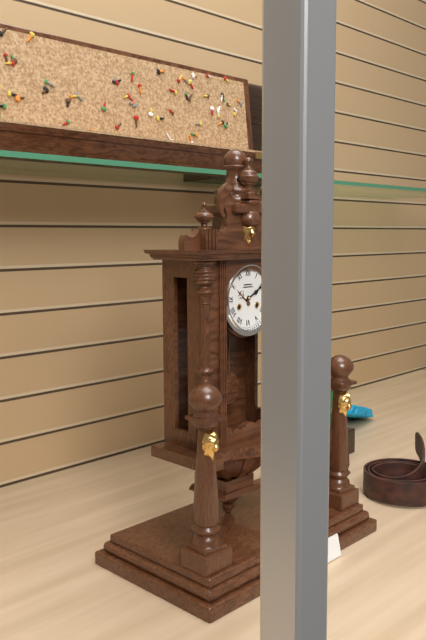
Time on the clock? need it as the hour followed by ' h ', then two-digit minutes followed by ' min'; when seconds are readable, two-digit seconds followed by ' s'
2 h 10 min
